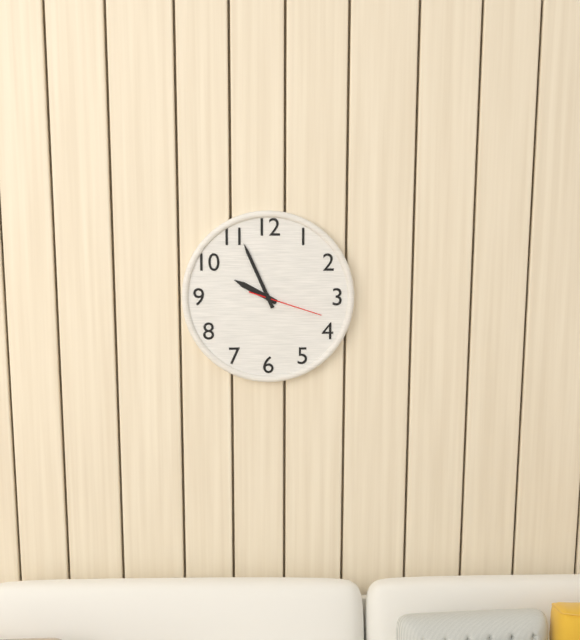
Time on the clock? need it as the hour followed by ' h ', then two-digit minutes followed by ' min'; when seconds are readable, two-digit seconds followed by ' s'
9 h 56 min 18 s
